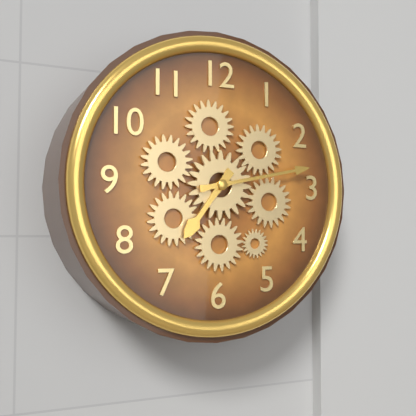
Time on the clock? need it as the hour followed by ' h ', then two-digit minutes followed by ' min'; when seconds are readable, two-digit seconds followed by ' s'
7 h 13 min
